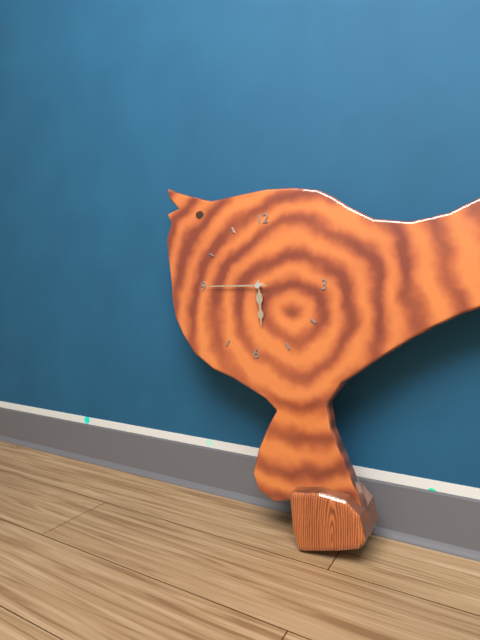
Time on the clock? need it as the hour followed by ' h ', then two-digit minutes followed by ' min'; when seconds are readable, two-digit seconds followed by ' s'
5 h 45 min
